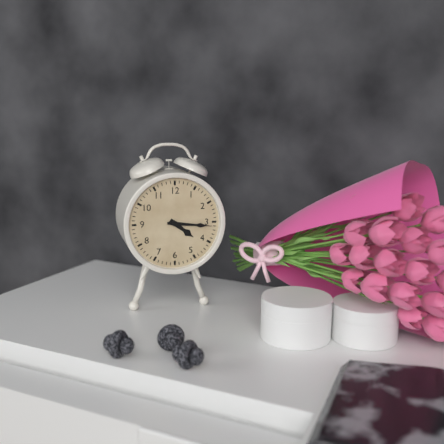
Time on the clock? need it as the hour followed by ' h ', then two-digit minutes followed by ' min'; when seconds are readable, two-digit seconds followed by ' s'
4 h 16 min
